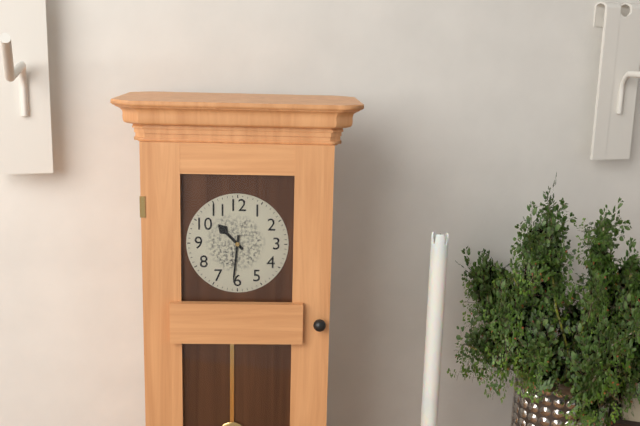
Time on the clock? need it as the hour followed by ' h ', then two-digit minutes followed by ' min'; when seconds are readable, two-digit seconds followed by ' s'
10 h 31 min
